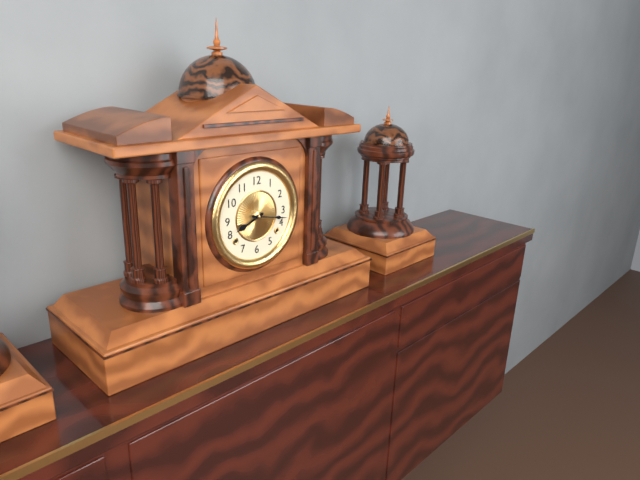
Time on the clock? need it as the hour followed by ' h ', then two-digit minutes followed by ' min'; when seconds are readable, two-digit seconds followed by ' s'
8 h 17 min
